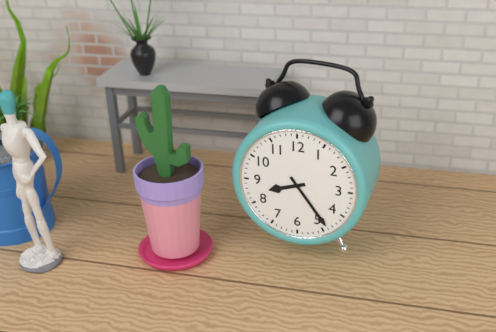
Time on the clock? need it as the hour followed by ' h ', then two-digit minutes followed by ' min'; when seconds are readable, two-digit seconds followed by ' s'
8 h 24 min
